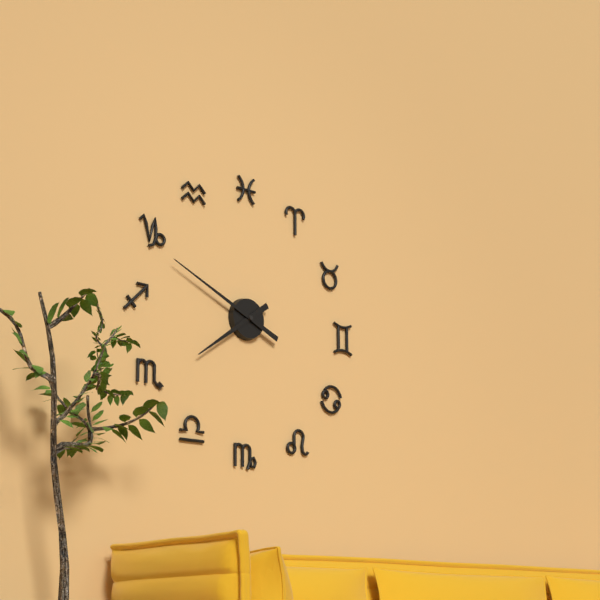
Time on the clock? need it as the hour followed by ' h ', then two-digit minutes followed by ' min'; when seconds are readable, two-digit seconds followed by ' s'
7 h 49 min
